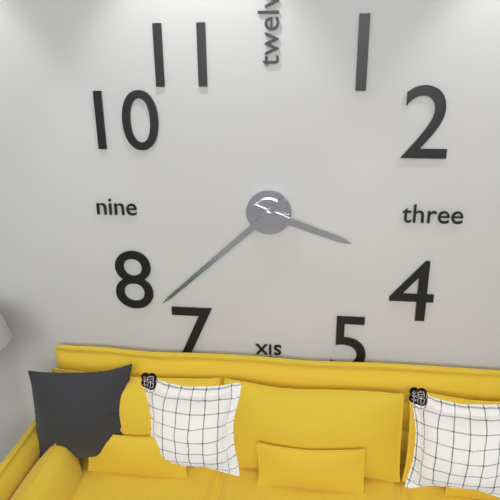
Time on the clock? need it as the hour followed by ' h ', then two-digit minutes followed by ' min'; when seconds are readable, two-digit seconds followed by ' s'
3 h 38 min
